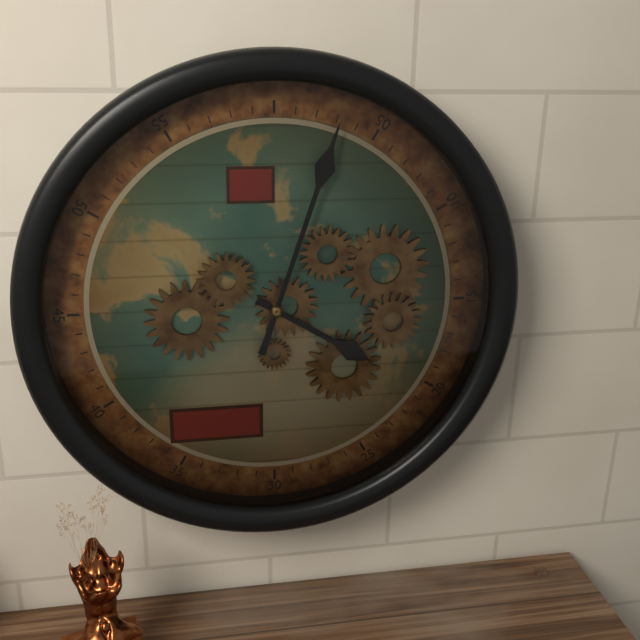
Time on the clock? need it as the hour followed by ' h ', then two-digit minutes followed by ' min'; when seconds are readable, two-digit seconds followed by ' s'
4 h 03 min
